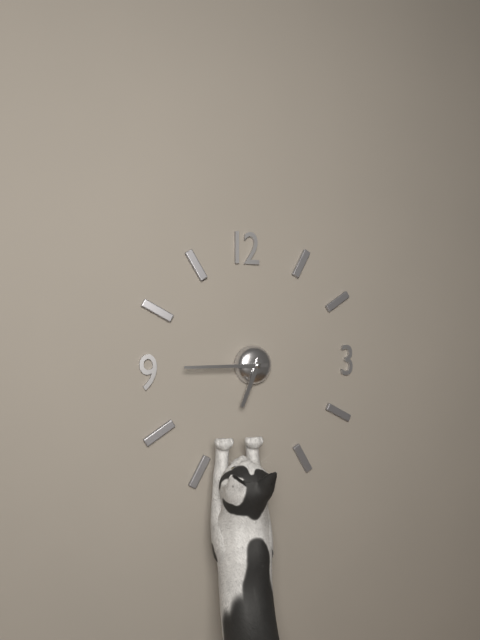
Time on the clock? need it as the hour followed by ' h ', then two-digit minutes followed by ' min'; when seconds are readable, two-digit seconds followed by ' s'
6 h 45 min
